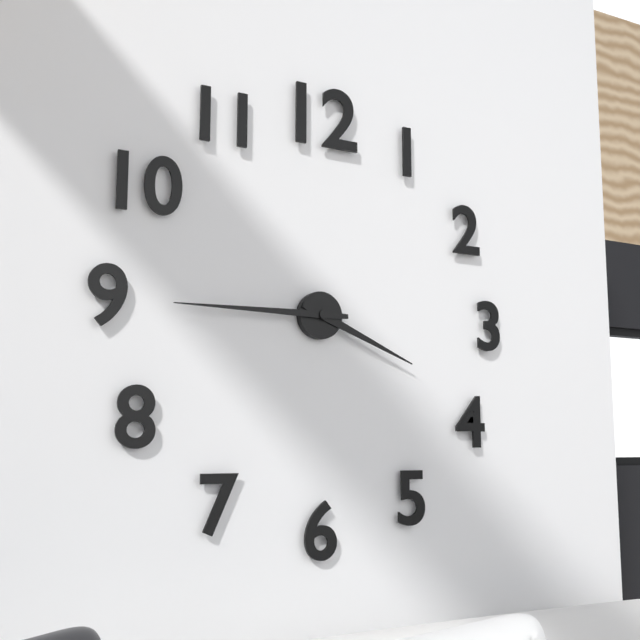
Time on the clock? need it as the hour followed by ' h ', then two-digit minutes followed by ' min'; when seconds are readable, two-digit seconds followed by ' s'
3 h 45 min
